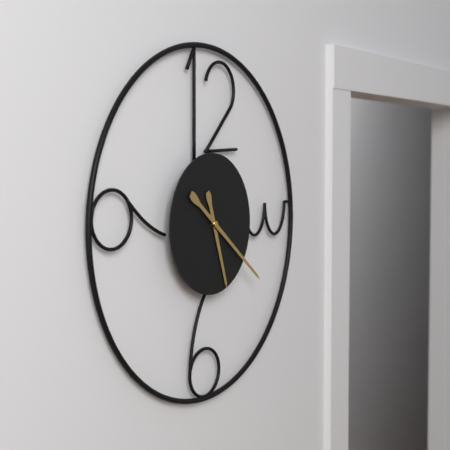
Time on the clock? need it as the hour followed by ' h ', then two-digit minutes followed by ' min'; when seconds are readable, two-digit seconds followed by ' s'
5 h 21 min
